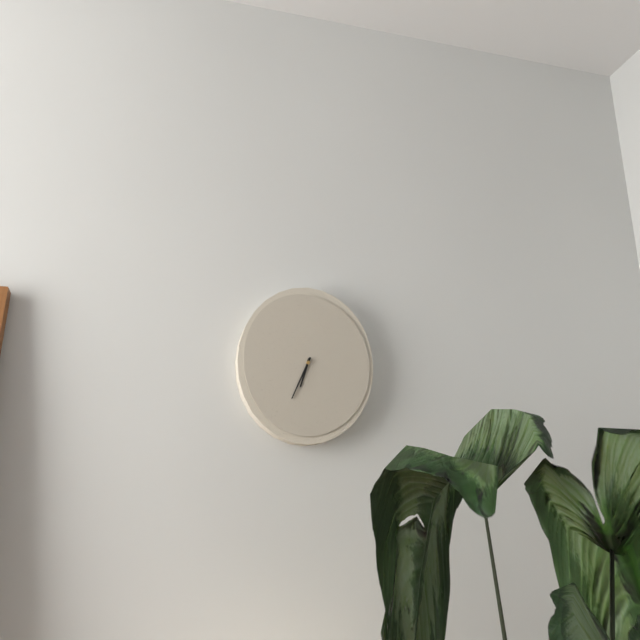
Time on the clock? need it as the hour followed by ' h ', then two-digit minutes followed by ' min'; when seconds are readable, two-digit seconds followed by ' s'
6 h 34 min
